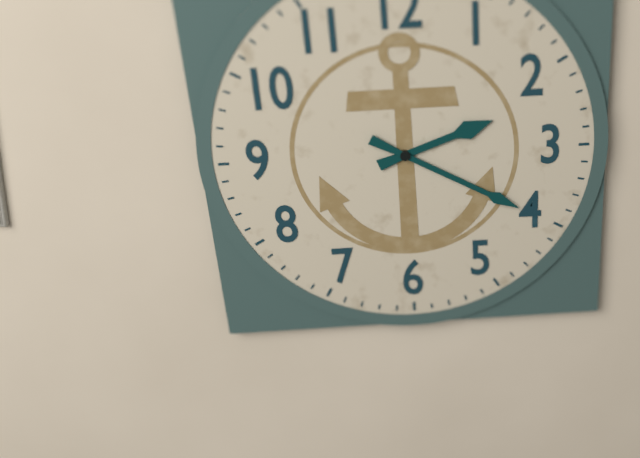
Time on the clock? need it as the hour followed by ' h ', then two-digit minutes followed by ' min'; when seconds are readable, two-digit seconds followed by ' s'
2 h 20 min
